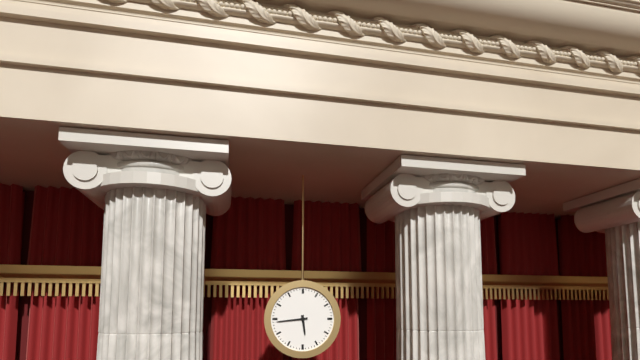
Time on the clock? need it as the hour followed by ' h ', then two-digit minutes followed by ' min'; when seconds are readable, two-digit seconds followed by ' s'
5 h 44 min
